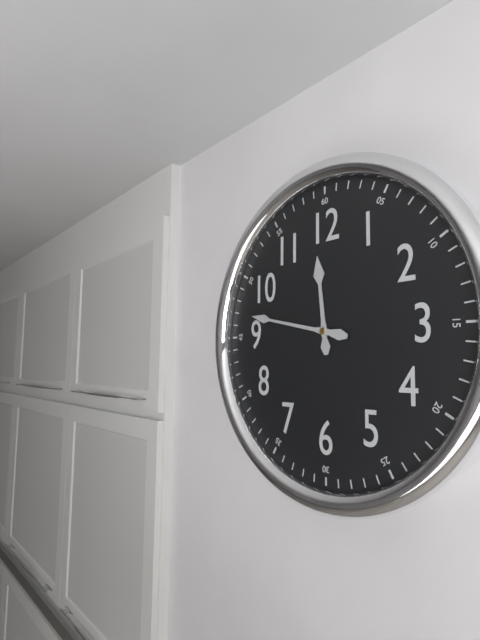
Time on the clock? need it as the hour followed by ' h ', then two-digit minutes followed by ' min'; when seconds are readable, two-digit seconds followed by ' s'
11 h 47 min
